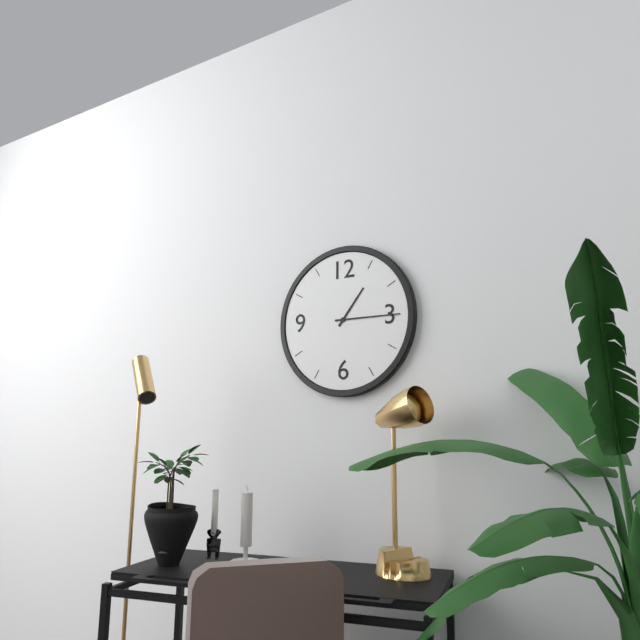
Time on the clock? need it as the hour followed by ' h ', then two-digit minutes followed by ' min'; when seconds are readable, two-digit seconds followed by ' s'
1 h 15 min
